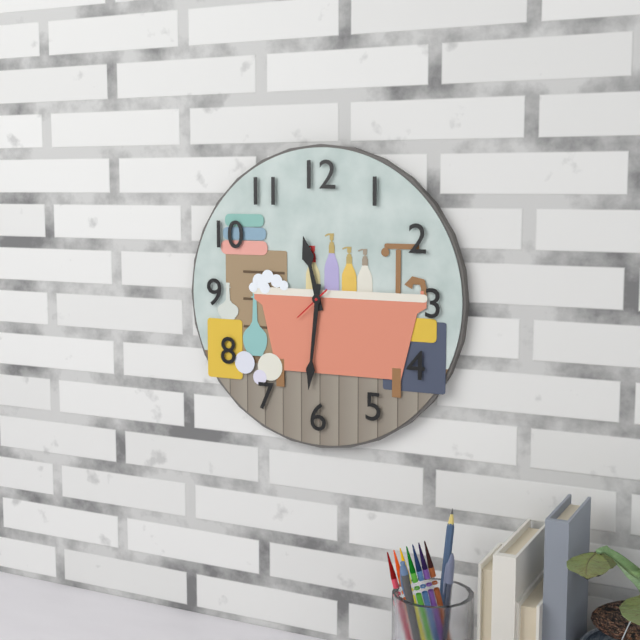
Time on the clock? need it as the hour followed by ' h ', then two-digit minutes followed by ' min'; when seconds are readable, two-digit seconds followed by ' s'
11 h 31 min
